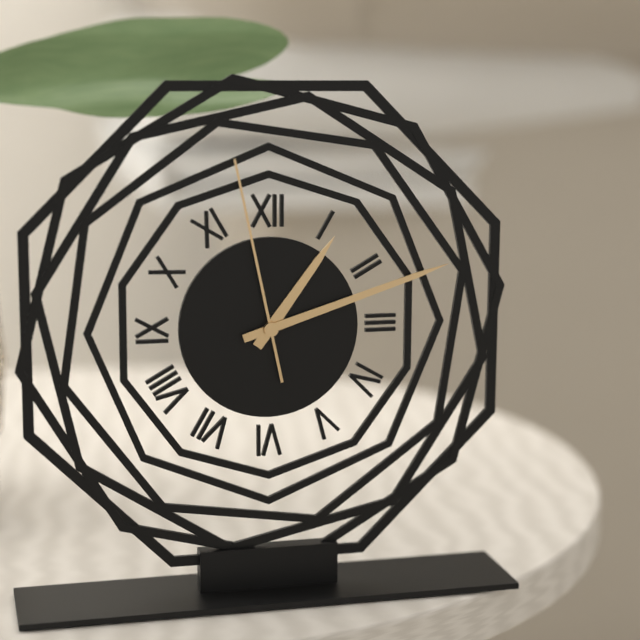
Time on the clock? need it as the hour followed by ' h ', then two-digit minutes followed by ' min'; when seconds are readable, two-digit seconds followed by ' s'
1 h 12 min 58 s
